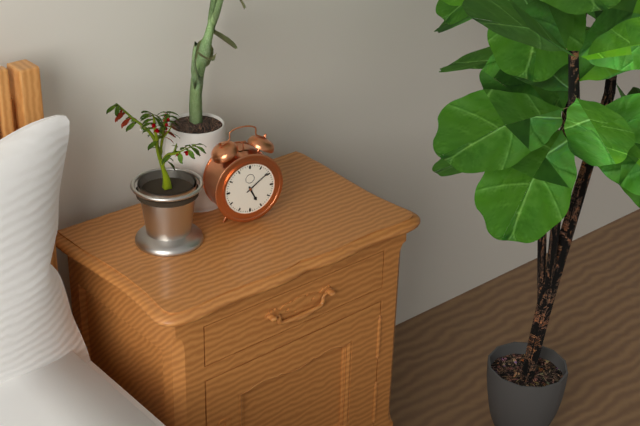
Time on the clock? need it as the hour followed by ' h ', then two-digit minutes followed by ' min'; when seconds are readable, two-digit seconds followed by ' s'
5 h 09 min
